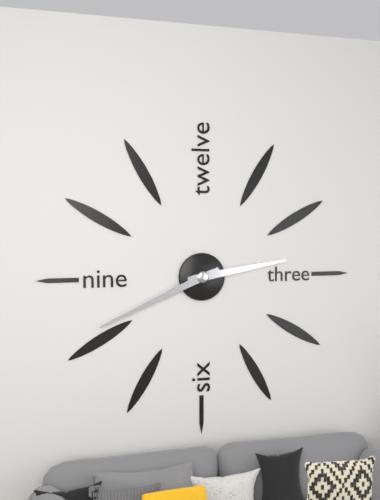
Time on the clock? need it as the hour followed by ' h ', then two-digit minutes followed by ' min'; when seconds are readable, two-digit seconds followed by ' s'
2 h 41 min
